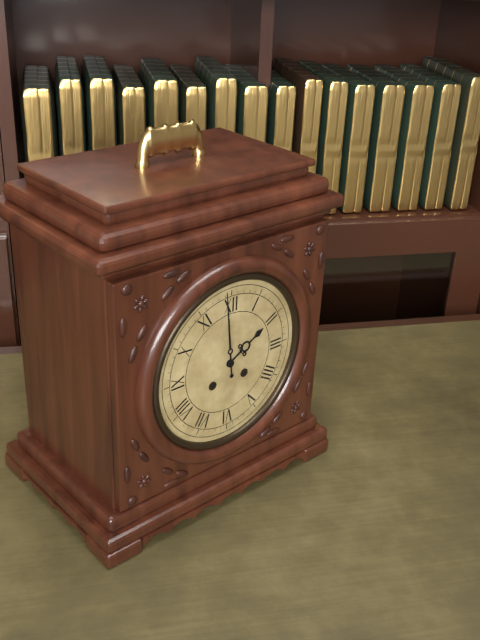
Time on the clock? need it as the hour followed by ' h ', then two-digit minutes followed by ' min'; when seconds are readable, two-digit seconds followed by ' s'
1 h 59 min
